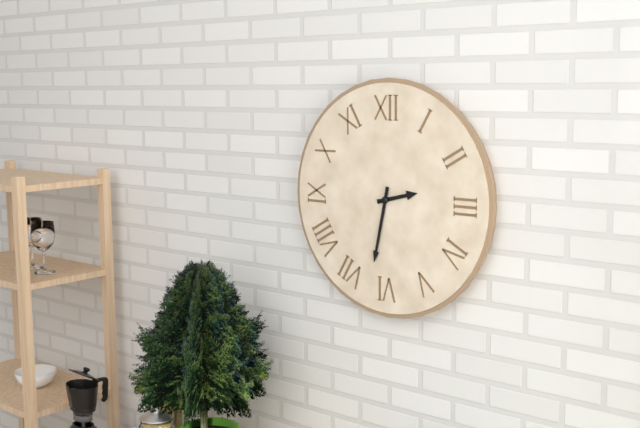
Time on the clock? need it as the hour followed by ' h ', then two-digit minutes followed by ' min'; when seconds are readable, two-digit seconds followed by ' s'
2 h 32 min
